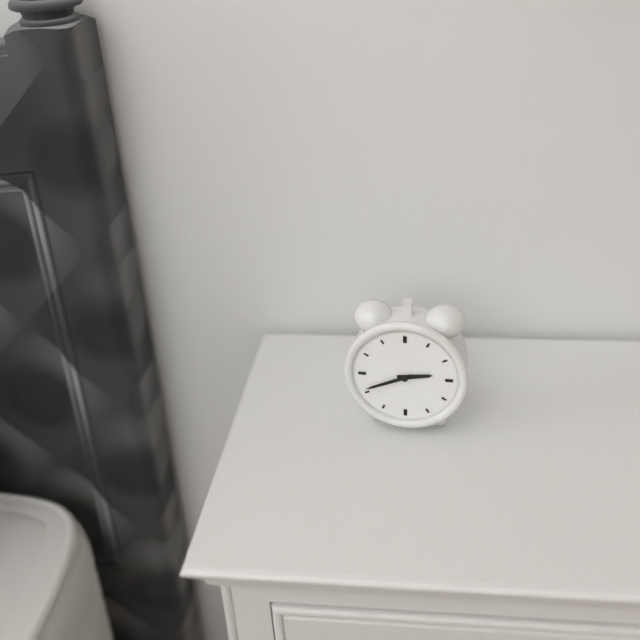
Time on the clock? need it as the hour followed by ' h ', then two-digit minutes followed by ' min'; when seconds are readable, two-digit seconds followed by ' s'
2 h 41 min
